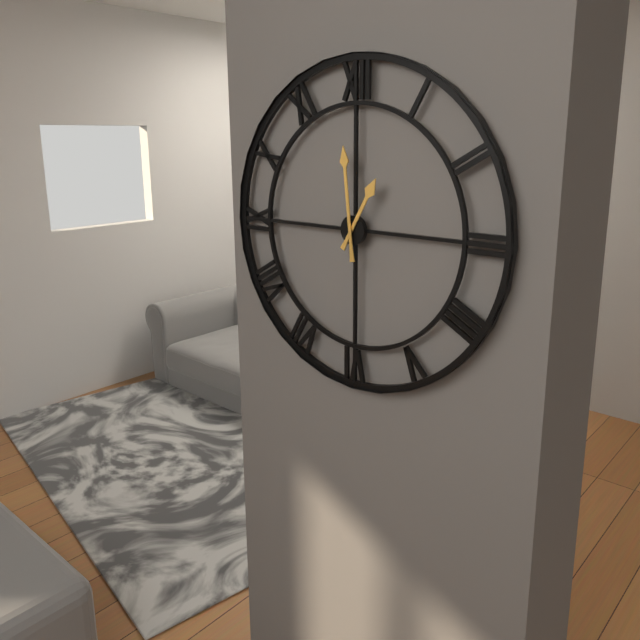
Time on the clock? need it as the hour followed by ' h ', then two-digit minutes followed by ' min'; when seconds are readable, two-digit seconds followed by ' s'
12 h 59 min
